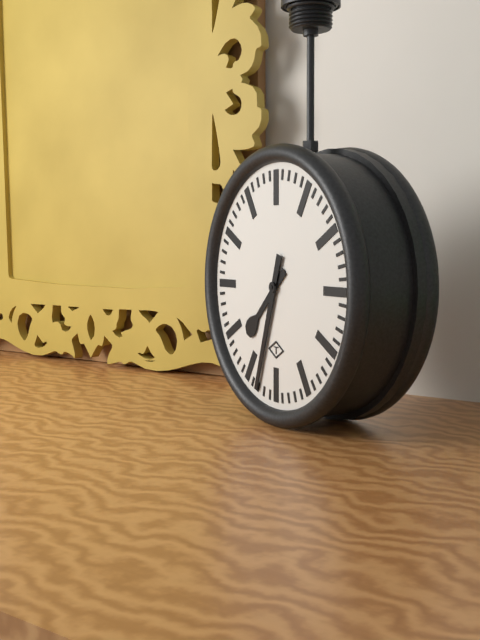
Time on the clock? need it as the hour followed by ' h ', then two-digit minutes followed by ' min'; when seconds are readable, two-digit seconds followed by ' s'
7 h 33 min
